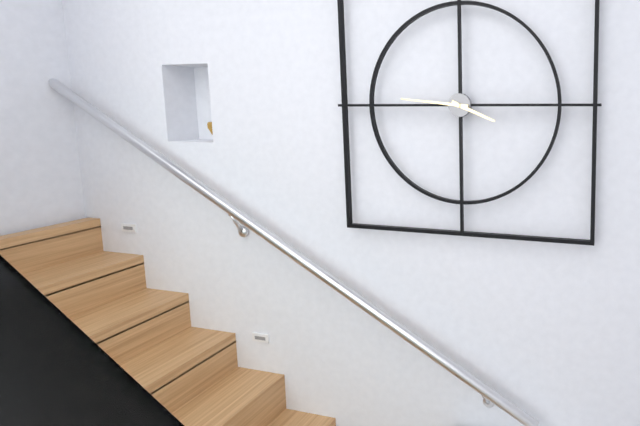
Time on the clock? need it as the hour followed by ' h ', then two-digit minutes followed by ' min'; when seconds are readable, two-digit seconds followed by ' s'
3 h 46 min
